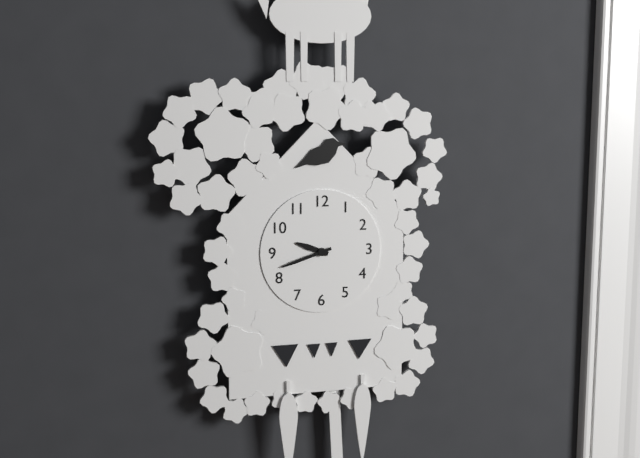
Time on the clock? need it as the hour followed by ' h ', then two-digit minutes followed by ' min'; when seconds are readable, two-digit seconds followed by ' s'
9 h 42 min
